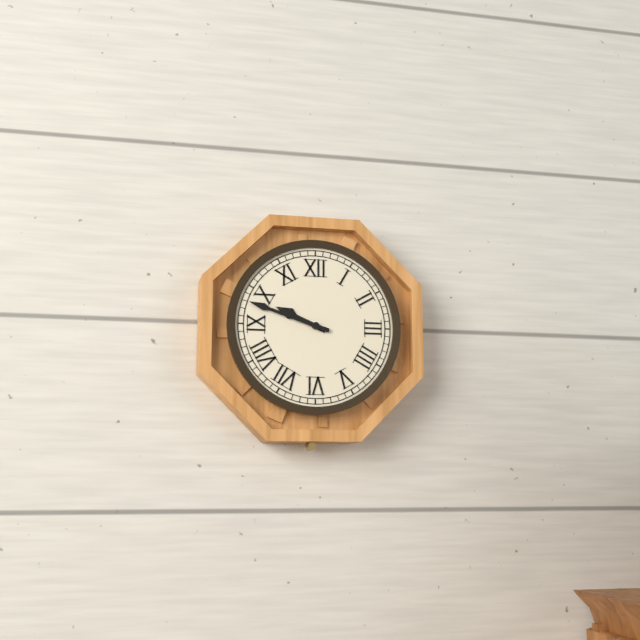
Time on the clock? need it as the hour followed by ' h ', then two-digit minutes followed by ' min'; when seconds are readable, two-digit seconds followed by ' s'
9 h 48 min
